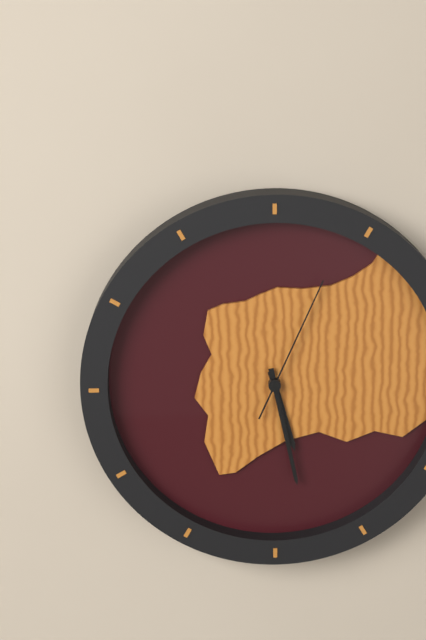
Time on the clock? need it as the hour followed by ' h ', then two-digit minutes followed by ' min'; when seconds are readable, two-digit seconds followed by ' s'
5 h 28 min 04 s
